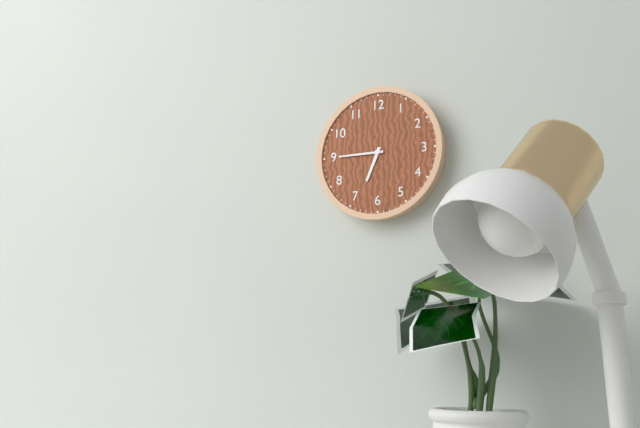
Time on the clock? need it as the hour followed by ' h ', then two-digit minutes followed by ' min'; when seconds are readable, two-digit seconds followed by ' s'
6 h 45 min
